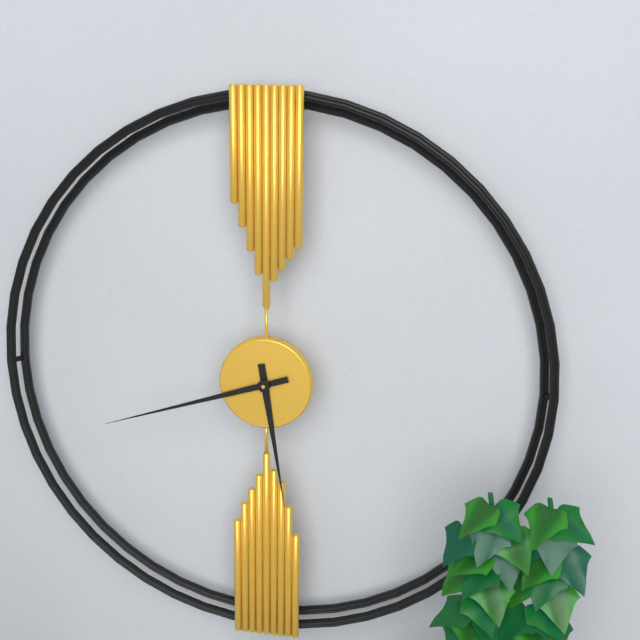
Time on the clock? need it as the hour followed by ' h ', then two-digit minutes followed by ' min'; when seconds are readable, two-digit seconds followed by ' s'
5 h 42 min
